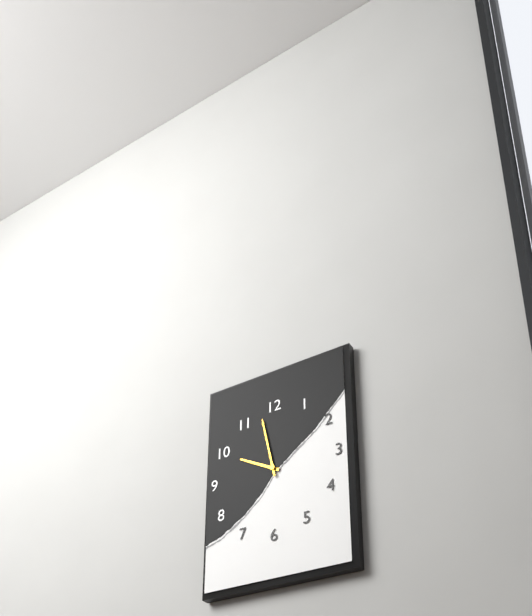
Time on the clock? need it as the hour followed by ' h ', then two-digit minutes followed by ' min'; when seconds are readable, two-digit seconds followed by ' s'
9 h 58 min
